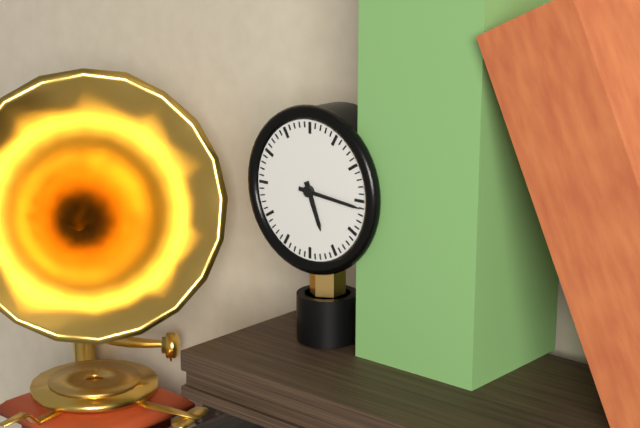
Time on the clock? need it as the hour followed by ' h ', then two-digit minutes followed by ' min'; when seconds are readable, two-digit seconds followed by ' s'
5 h 16 min
